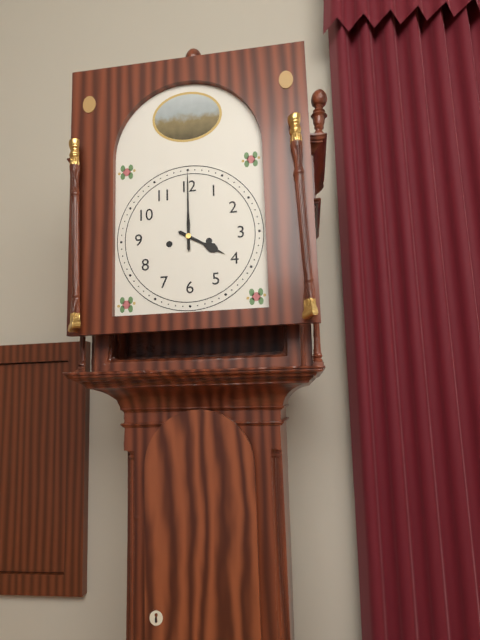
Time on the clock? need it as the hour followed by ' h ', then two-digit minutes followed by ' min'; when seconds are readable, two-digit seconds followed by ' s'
4 h 00 min
